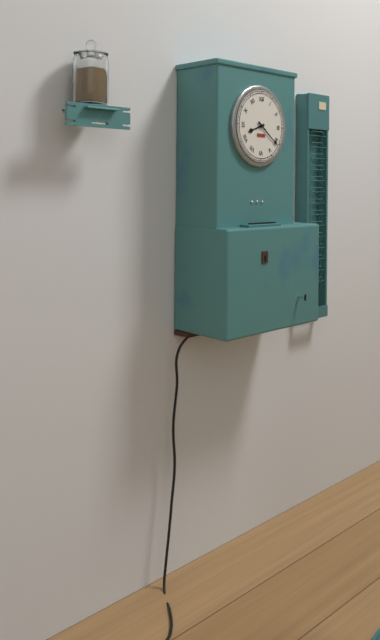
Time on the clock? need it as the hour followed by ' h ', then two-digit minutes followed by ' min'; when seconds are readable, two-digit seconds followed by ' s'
8 h 21 min
